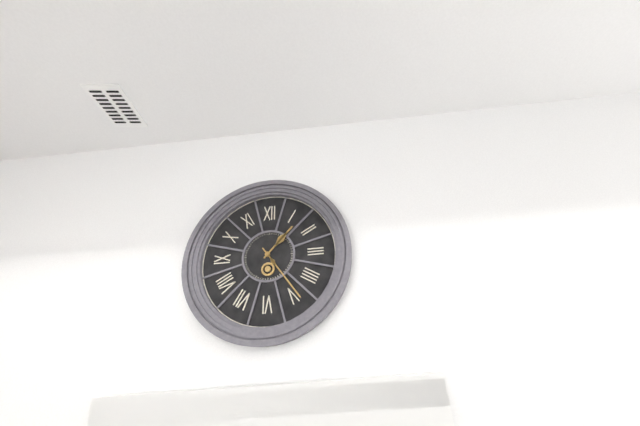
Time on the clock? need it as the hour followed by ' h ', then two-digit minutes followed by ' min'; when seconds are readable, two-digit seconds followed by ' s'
1 h 24 min
